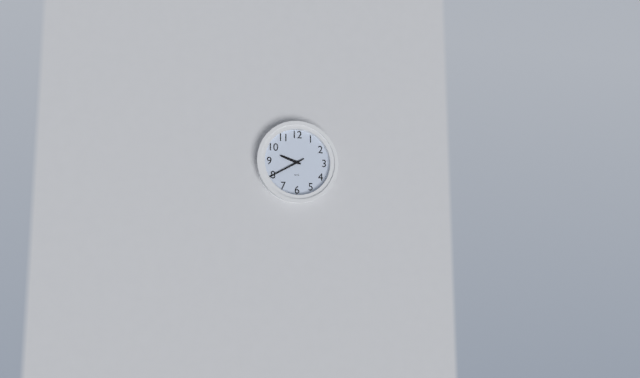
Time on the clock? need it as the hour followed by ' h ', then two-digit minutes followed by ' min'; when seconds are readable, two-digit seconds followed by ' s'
9 h 40 min
